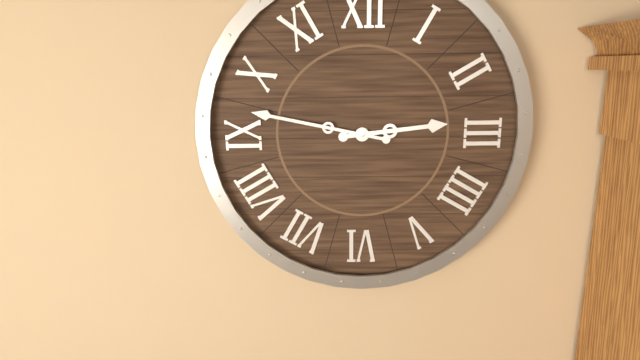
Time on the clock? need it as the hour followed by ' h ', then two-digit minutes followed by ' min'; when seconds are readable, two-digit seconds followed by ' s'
2 h 47 min
